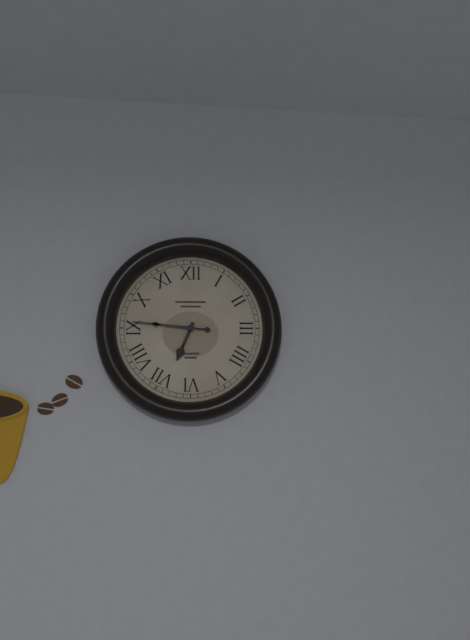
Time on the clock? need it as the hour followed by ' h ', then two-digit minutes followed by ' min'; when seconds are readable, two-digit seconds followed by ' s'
6 h 46 min
